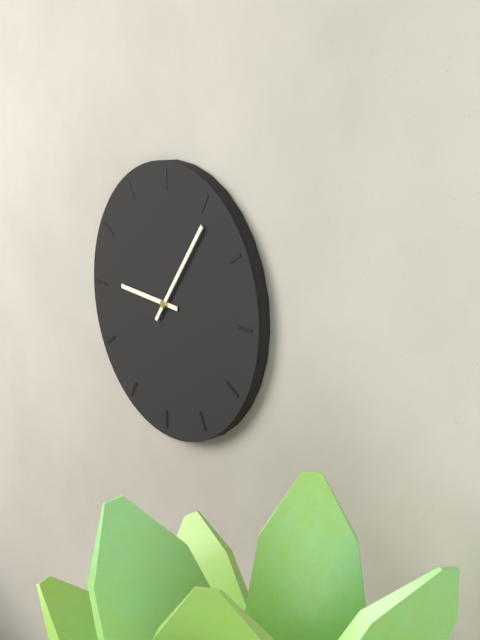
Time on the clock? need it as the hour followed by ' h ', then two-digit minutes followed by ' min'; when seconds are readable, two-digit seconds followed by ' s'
9 h 06 min
